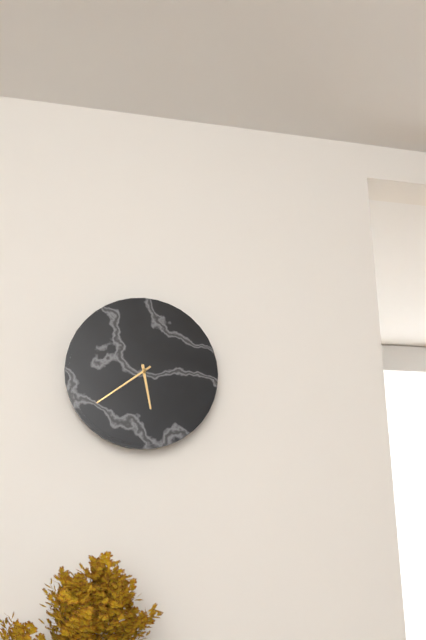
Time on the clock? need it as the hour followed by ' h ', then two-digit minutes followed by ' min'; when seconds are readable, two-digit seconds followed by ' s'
5 h 39 min
